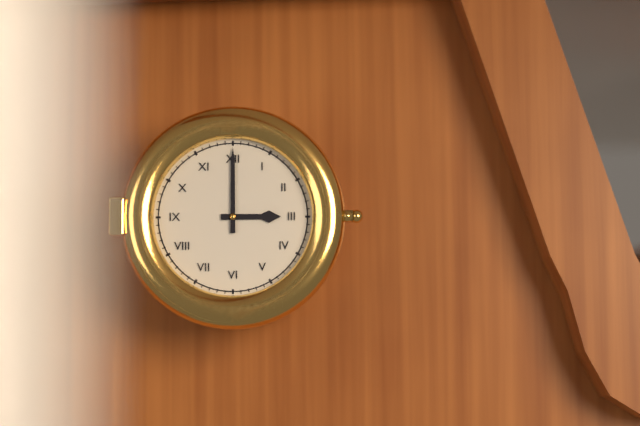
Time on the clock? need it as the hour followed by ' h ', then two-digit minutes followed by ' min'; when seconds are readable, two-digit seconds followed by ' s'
3 h 00 min
